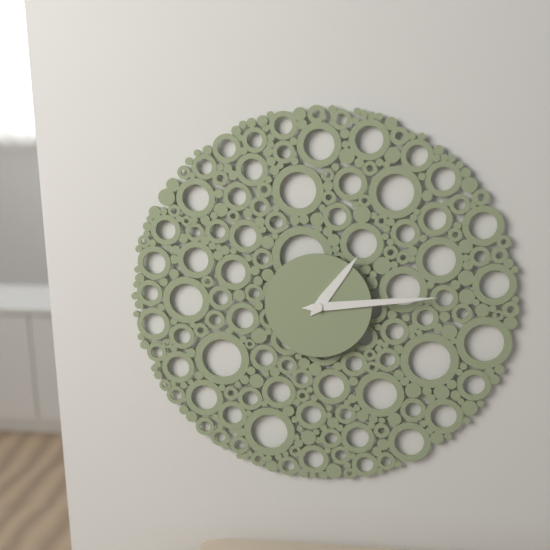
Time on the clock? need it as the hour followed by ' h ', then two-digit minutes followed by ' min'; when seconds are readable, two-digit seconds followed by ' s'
1 h 14 min
